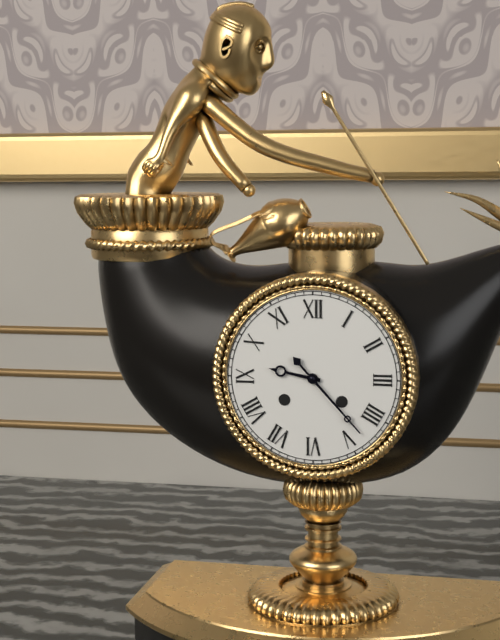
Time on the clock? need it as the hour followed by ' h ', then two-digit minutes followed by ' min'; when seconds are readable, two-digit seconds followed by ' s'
9 h 23 min
